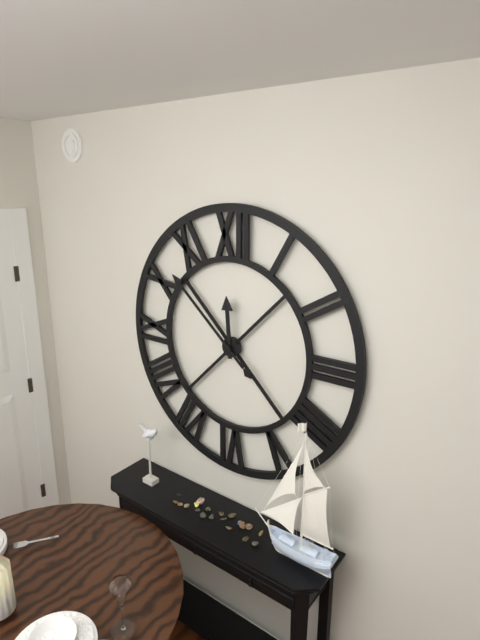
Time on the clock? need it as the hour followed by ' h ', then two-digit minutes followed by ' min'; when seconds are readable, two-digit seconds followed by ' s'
11 h 52 min
